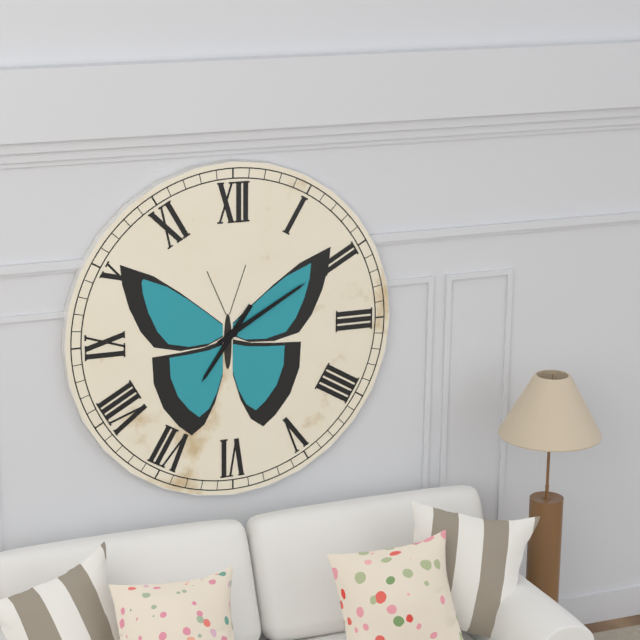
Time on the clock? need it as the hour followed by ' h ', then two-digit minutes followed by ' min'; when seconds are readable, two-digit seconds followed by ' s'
7 h 10 min
